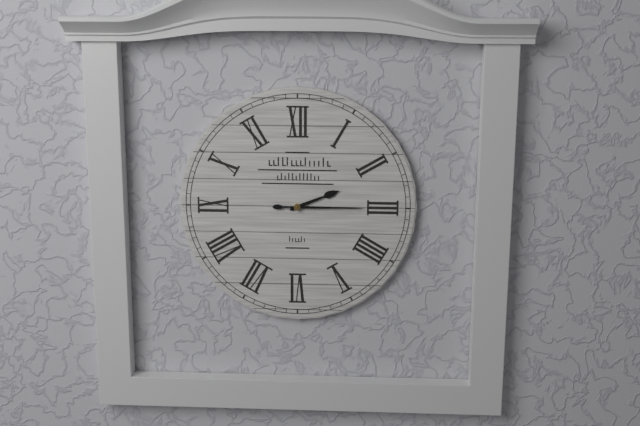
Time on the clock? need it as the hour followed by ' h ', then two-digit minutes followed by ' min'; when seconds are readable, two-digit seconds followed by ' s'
2 h 15 min
